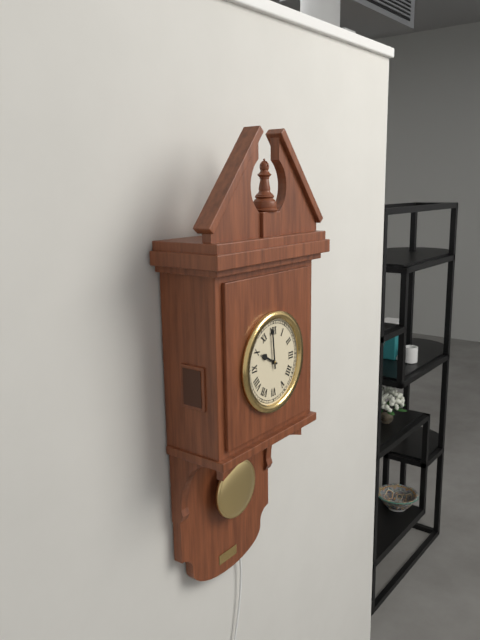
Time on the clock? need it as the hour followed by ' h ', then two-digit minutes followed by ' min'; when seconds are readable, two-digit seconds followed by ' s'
9 h 59 min
